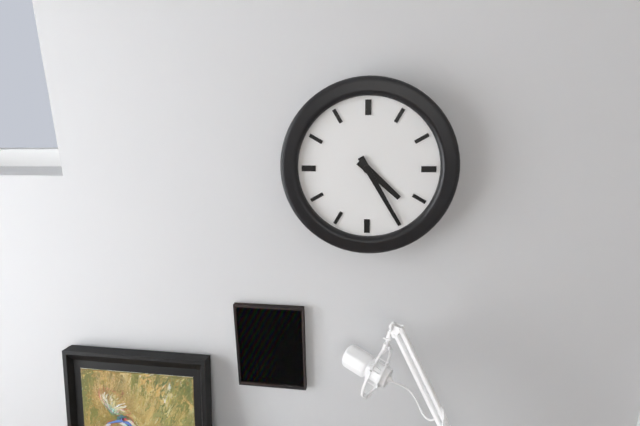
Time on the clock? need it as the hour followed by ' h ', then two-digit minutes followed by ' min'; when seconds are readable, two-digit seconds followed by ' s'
4 h 25 min
